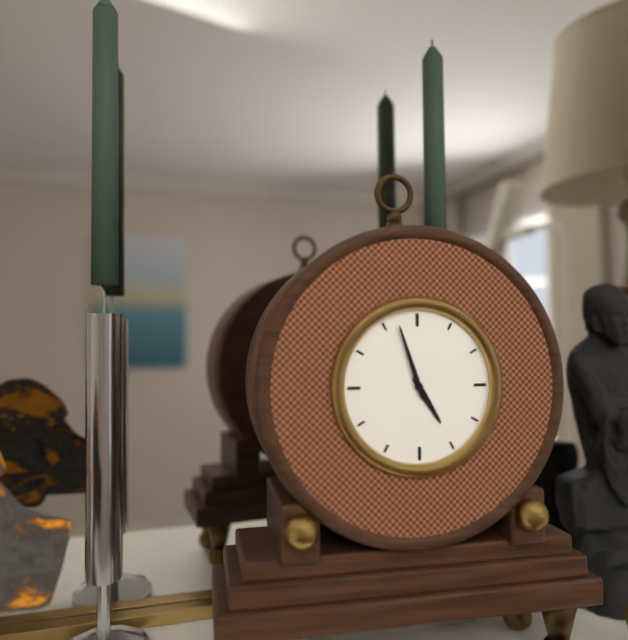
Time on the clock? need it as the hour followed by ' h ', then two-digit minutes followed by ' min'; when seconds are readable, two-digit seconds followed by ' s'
4 h 57 min
